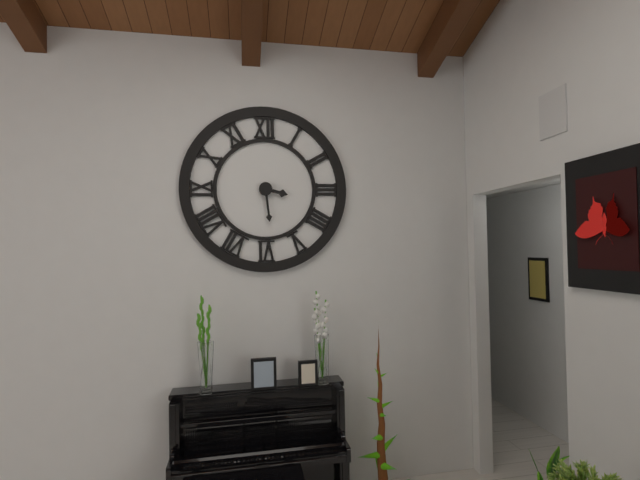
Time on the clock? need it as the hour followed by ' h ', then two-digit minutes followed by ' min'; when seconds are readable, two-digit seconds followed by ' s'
3 h 29 min
